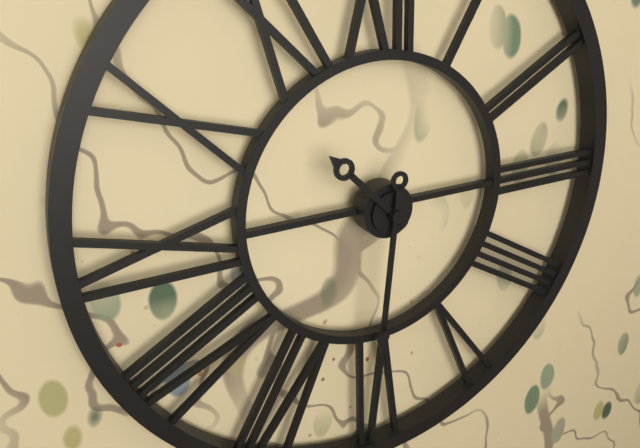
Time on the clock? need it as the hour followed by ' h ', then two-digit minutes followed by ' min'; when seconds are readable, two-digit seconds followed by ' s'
10 h 31 min
